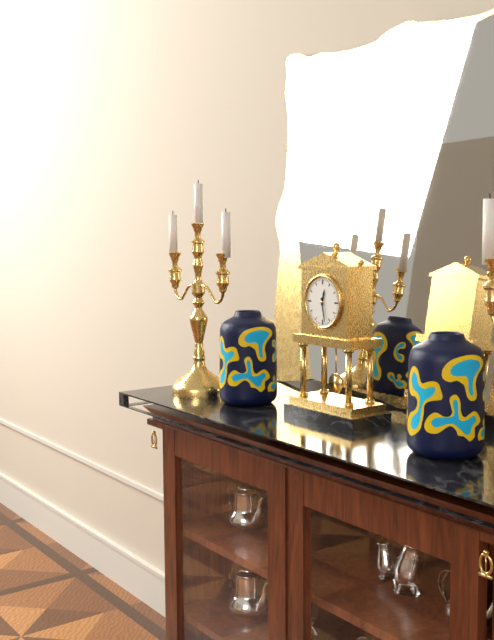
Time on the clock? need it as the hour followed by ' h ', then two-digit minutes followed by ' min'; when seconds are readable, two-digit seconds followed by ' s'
12 h 28 min
